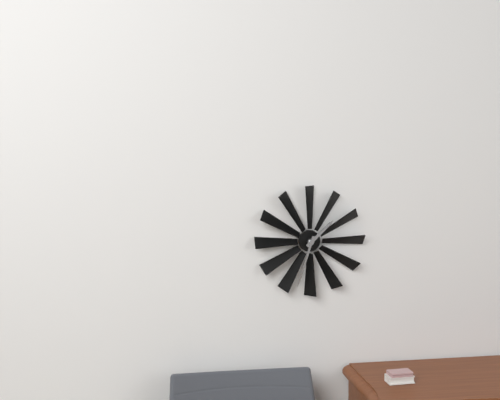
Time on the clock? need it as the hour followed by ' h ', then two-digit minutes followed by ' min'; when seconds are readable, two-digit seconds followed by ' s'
1 h 33 min
